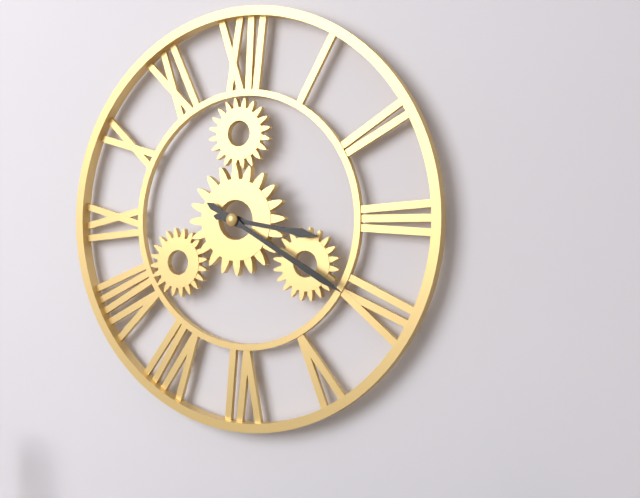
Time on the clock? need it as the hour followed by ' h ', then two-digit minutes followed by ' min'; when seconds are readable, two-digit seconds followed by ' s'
3 h 20 min
